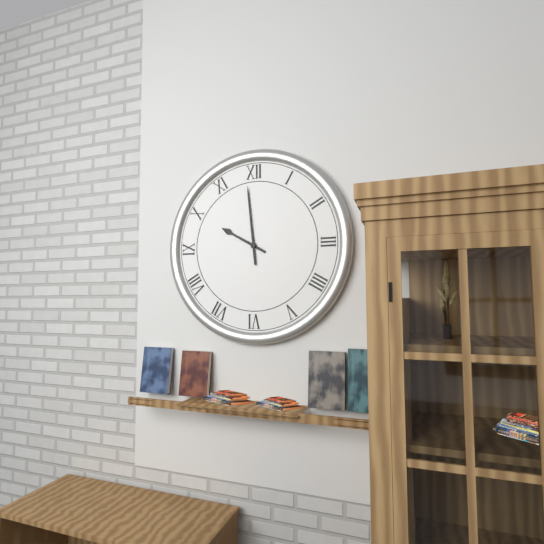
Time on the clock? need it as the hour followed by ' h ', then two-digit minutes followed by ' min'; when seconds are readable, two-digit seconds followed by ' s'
9 h 59 min
